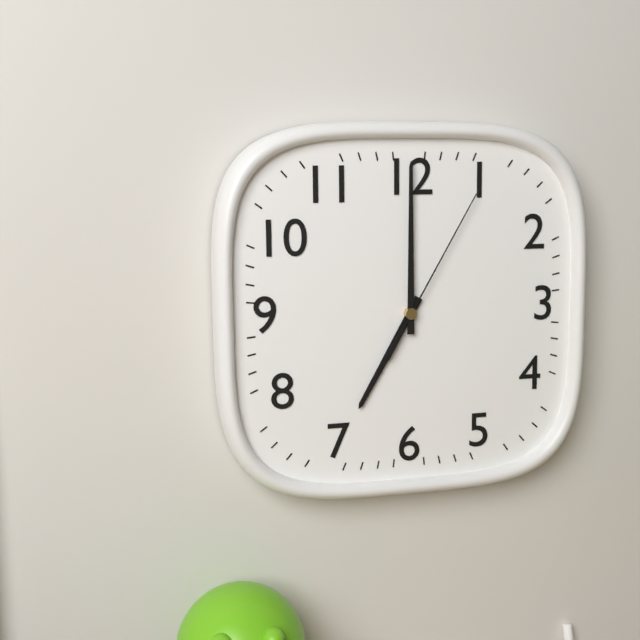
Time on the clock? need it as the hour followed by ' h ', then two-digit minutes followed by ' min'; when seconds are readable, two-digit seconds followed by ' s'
7 h 00 min 05 s
